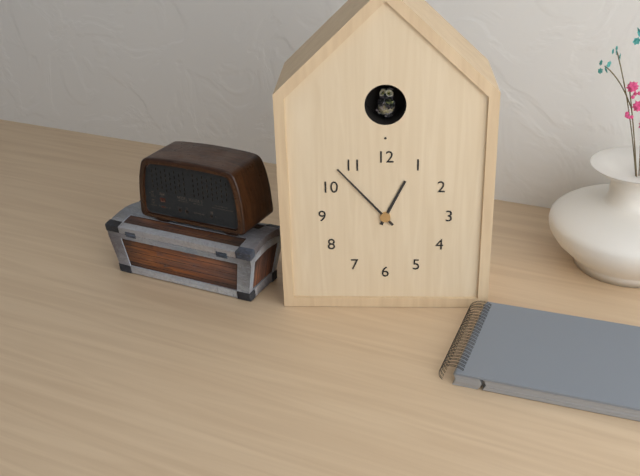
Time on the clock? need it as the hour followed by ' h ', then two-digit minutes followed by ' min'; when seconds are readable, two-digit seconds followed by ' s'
12 h 53 min
